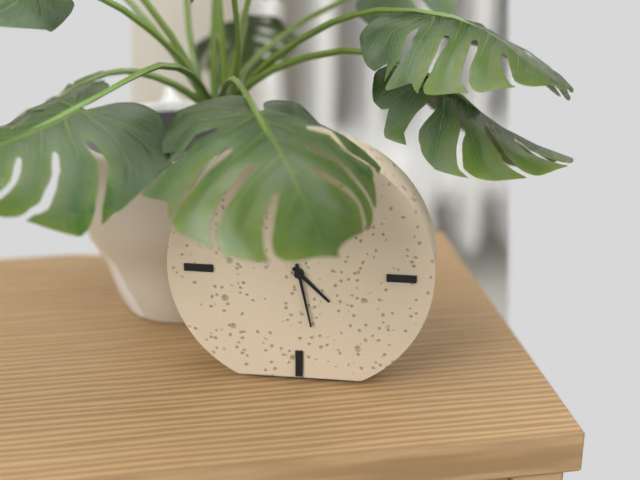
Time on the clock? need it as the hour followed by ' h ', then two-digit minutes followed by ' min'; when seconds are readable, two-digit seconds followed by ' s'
4 h 28 min
